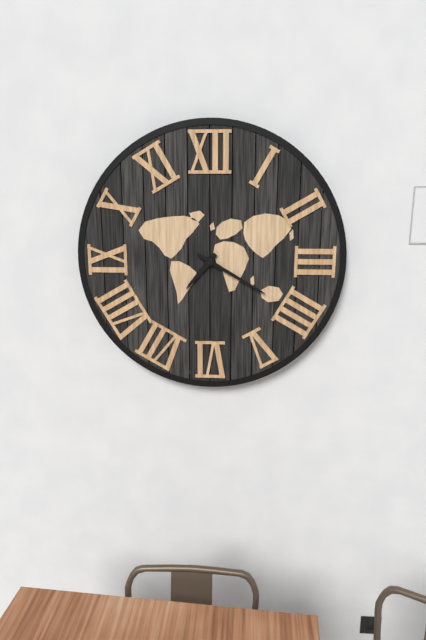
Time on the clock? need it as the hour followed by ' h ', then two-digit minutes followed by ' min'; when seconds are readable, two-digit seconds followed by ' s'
7 h 20 min
